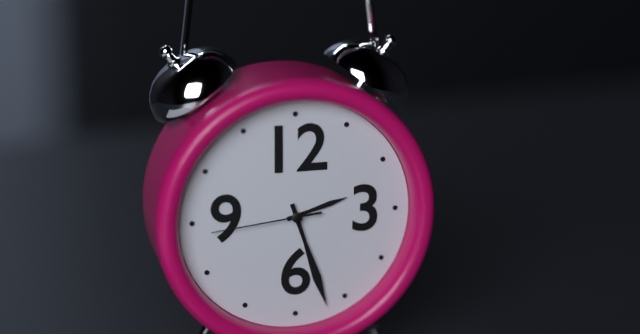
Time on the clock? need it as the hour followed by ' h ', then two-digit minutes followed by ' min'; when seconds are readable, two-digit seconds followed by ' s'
2 h 27 min 44 s
